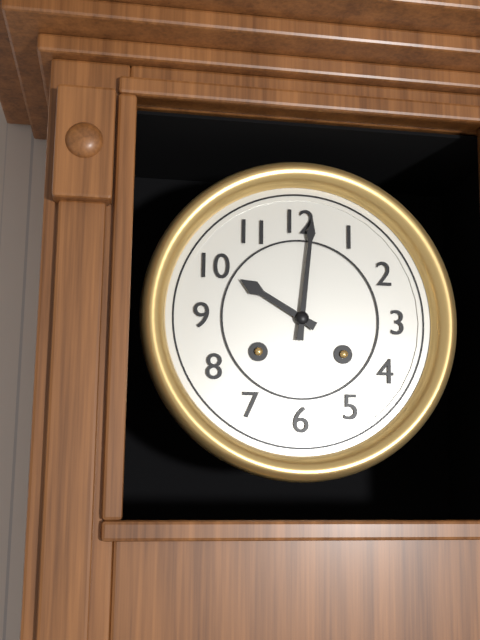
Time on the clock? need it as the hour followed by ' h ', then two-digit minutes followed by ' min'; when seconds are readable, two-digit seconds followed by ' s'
10 h 01 min
